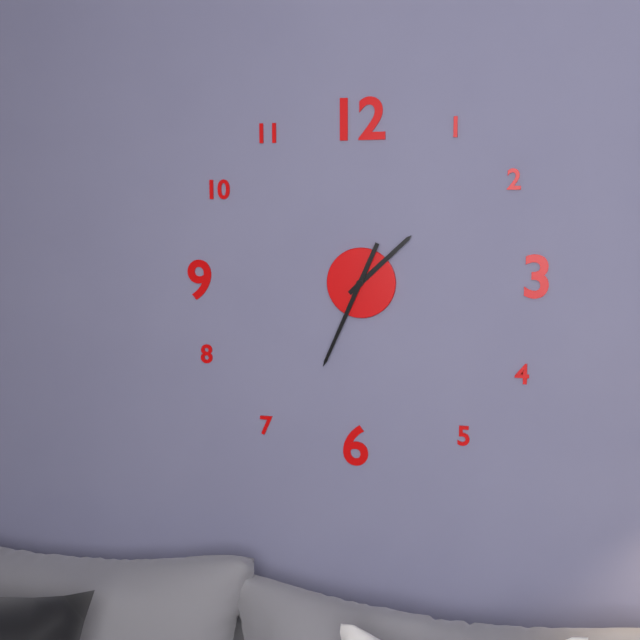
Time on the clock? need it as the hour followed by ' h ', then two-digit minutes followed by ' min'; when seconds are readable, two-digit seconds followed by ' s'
1 h 34 min
